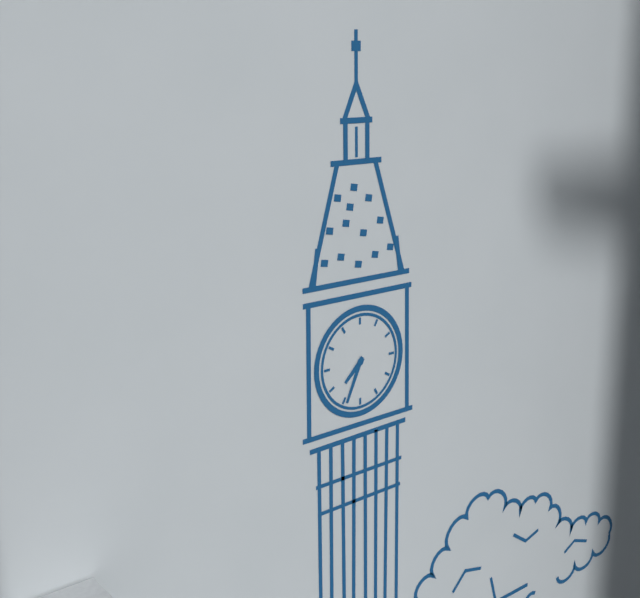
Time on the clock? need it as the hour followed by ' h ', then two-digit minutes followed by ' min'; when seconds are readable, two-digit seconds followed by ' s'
7 h 34 min
